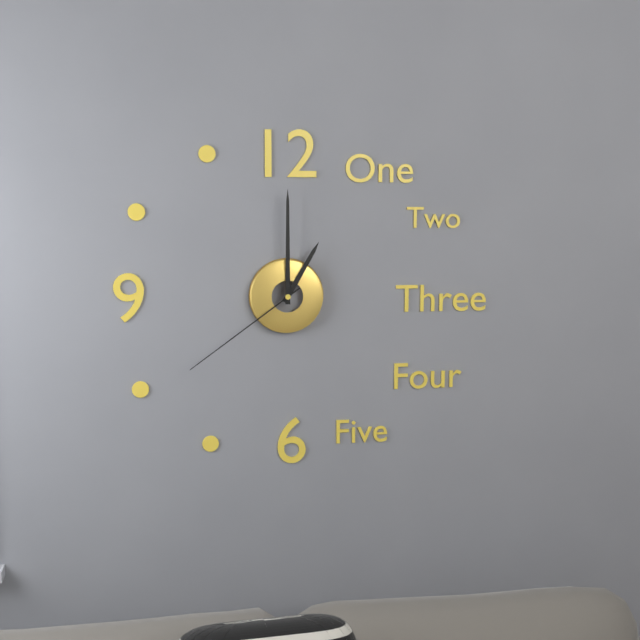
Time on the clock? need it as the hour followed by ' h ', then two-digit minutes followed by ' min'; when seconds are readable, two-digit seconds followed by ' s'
1 h 00 min 39 s
